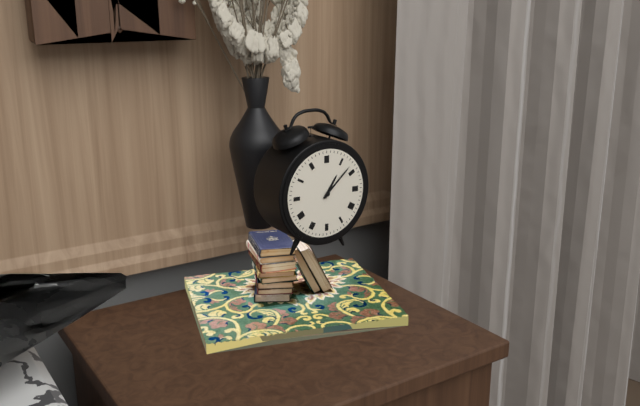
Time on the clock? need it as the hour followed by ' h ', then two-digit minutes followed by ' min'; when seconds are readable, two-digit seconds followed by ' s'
1 h 08 min
